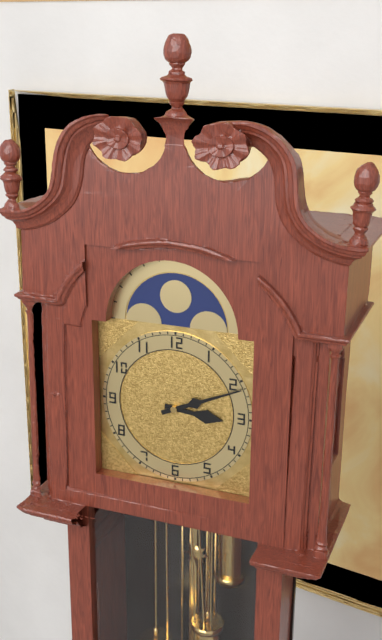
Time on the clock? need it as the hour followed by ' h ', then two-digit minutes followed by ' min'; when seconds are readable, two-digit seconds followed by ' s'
3 h 11 min
